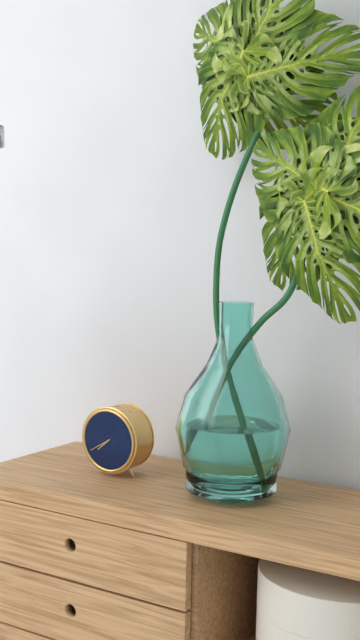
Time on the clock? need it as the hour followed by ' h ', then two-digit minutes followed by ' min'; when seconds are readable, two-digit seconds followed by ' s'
7 h 40 min
